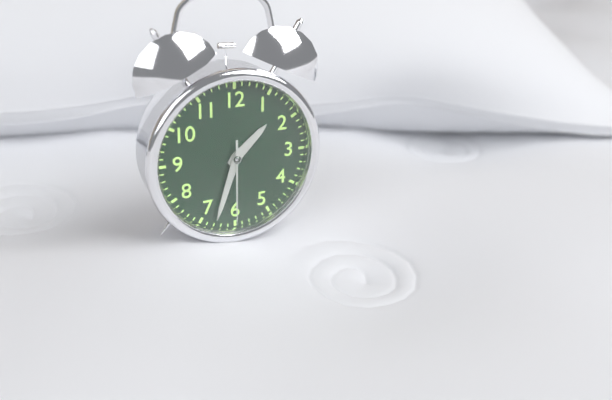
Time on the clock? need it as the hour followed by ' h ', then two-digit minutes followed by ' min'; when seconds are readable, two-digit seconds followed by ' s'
1 h 33 min 30 s
